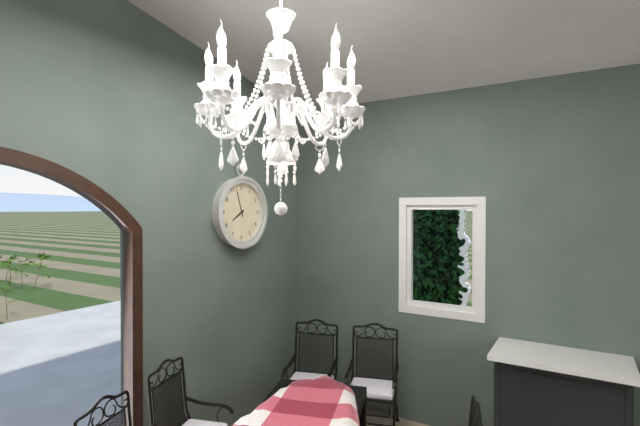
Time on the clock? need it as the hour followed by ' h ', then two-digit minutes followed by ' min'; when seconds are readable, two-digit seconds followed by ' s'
7 h 57 min
